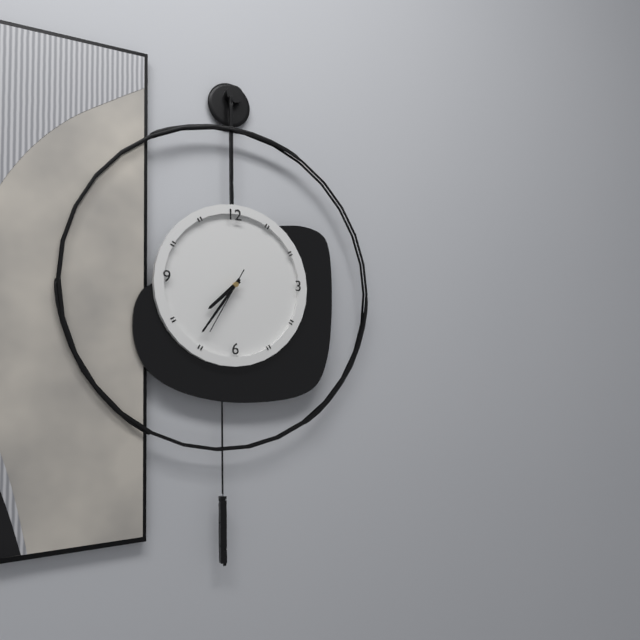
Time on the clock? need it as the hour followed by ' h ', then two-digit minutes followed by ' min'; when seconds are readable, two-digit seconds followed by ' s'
7 h 36 min 35 s
